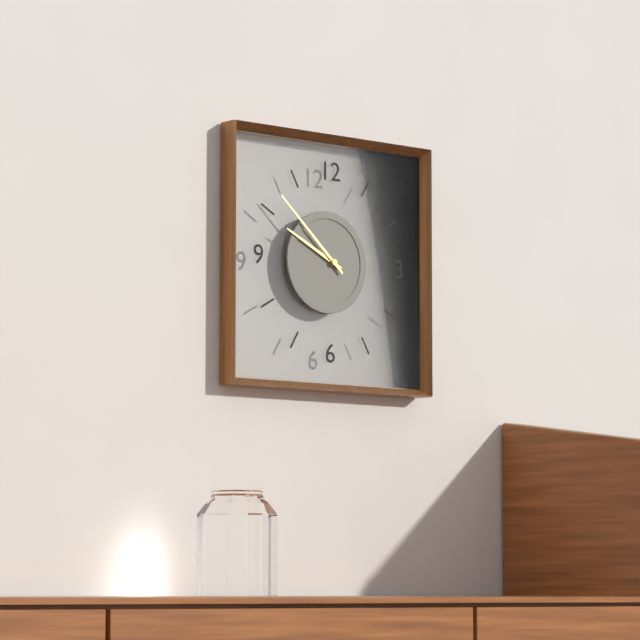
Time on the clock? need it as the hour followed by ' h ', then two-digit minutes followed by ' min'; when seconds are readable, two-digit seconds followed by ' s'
9 h 52 min
